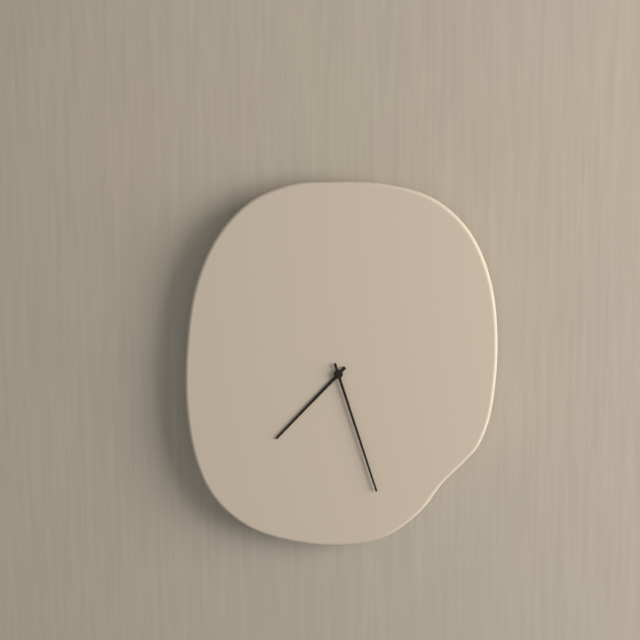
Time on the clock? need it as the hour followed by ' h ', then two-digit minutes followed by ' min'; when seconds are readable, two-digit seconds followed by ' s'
7 h 27 min
